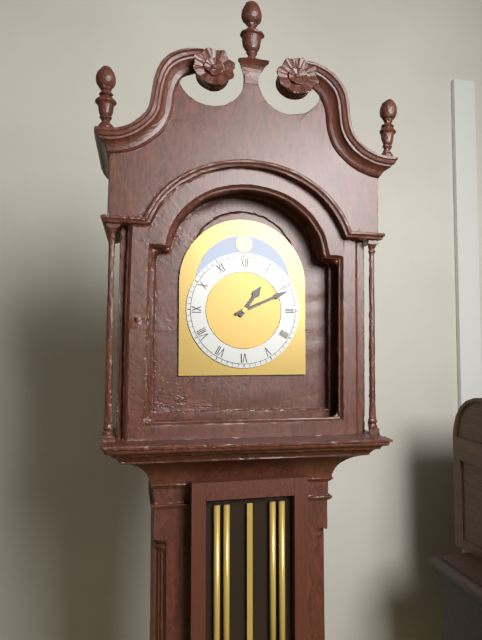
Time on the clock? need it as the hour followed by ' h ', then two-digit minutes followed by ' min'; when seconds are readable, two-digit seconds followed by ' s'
1 h 11 min
